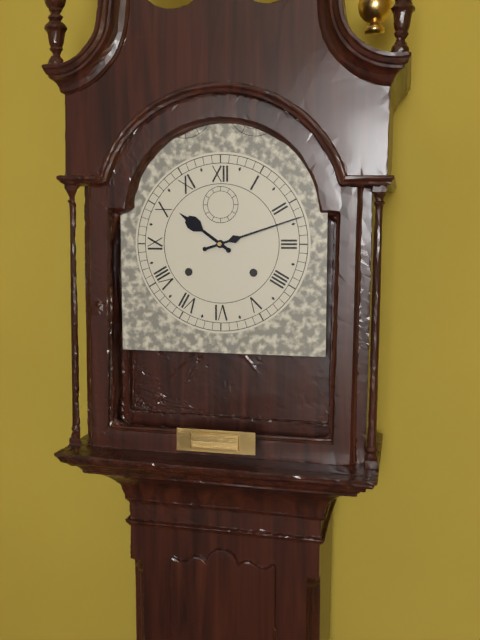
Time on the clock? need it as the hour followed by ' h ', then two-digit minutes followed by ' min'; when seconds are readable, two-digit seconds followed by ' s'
10 h 12 min
